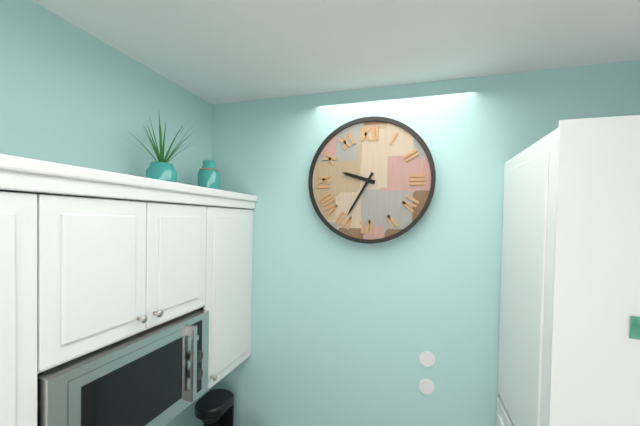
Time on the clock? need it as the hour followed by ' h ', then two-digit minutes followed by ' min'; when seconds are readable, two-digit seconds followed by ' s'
9 h 35 min
